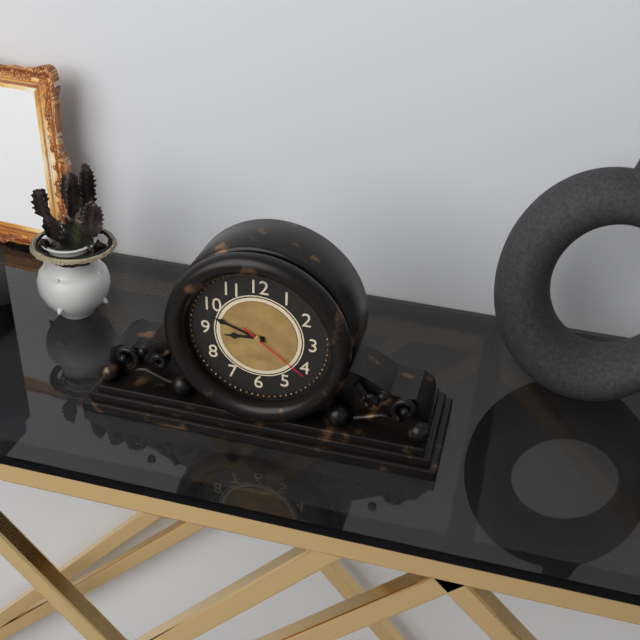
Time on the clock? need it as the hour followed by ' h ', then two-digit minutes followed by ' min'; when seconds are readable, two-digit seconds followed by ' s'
8 h 48 min 21 s
